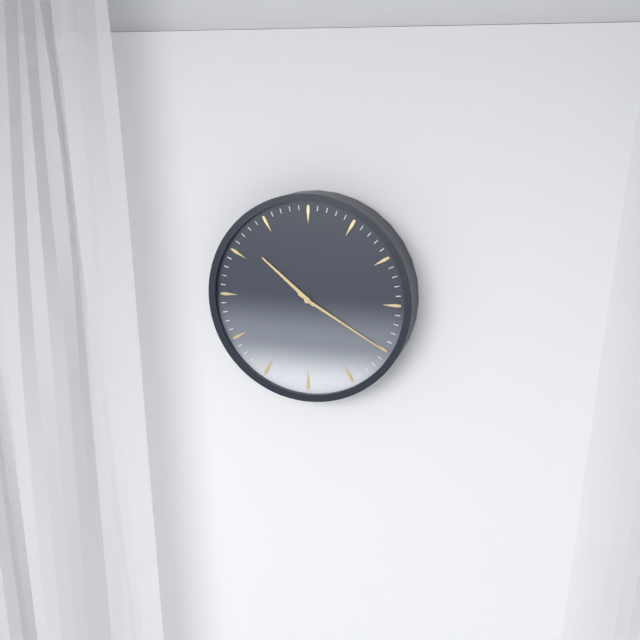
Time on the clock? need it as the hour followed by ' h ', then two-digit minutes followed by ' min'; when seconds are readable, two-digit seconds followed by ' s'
10 h 20 min
